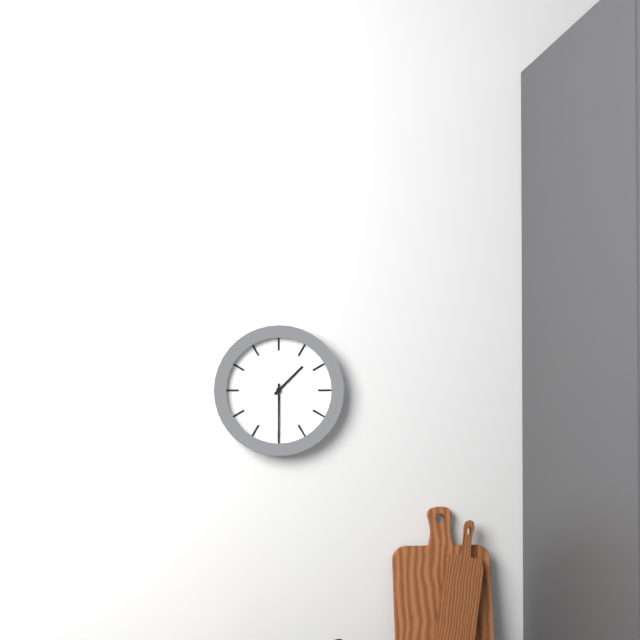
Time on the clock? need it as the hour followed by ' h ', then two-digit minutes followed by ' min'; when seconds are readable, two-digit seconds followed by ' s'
1 h 30 min
